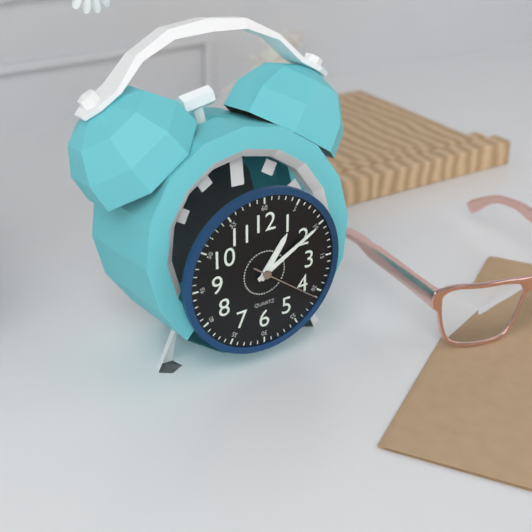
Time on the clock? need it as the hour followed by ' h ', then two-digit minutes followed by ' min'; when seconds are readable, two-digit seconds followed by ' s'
1 h 10 min 21 s
